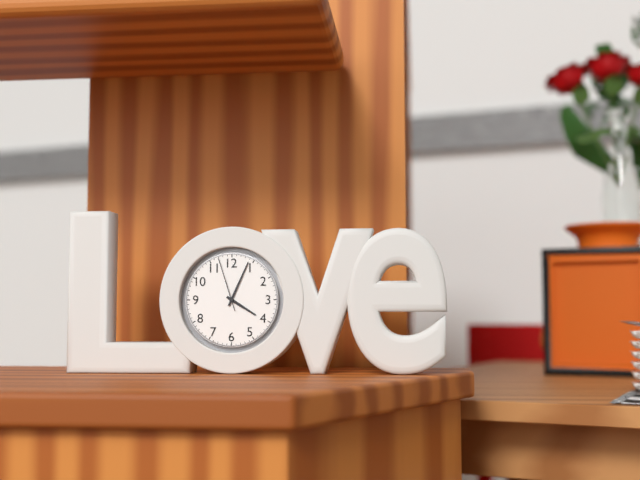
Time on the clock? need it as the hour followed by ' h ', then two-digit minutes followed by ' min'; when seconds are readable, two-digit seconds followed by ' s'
4 h 04 min 57 s
